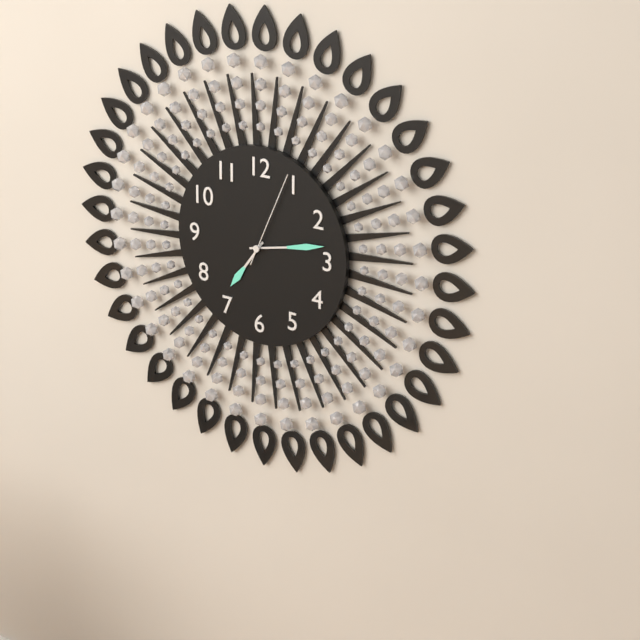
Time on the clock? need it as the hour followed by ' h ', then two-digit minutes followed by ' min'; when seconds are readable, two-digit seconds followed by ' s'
7 h 13 min 04 s
